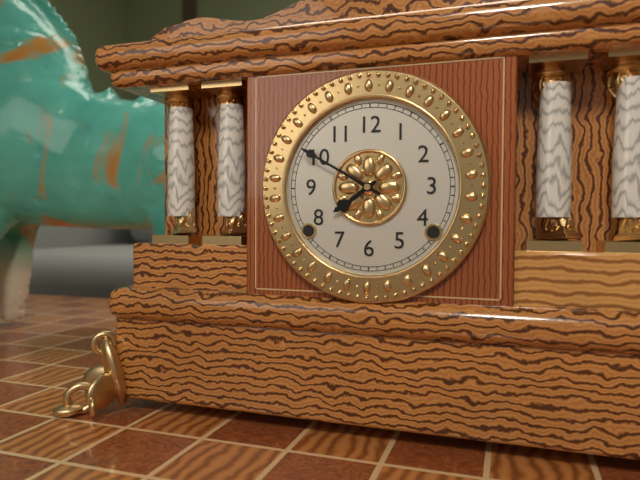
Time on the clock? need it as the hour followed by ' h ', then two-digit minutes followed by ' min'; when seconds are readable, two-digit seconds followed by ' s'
7 h 50 min
